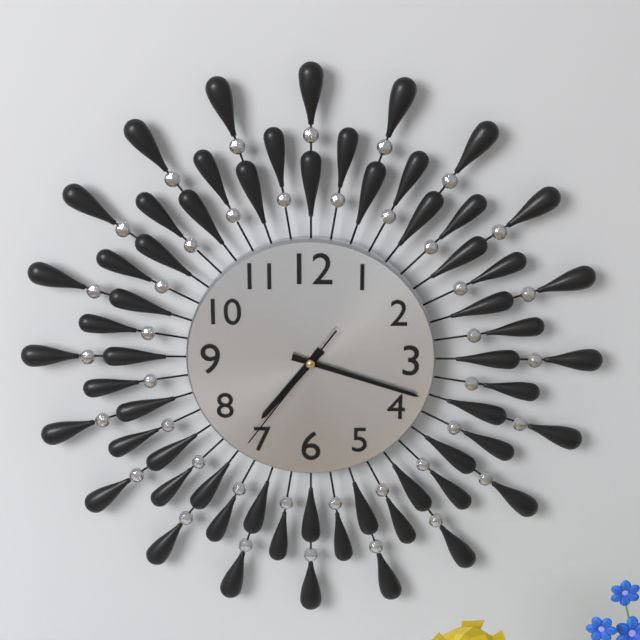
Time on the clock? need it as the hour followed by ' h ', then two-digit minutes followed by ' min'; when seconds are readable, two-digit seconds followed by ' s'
7 h 18 min 36 s
